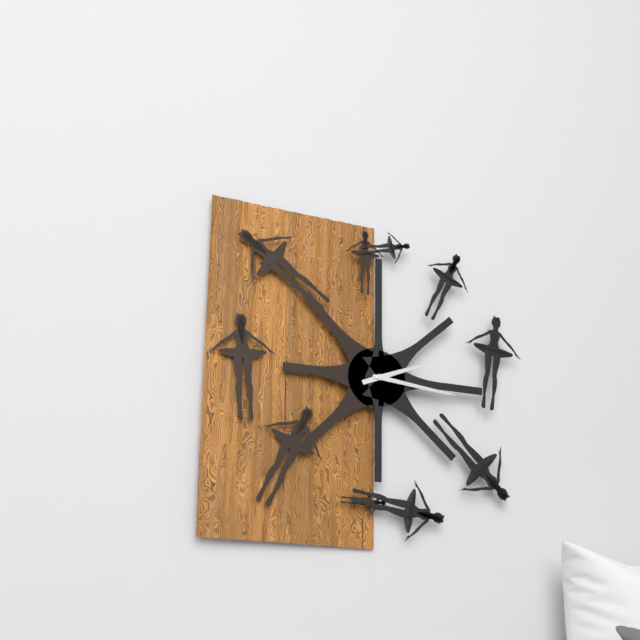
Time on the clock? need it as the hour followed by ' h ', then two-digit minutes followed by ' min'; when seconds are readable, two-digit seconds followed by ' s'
2 h 16 min
